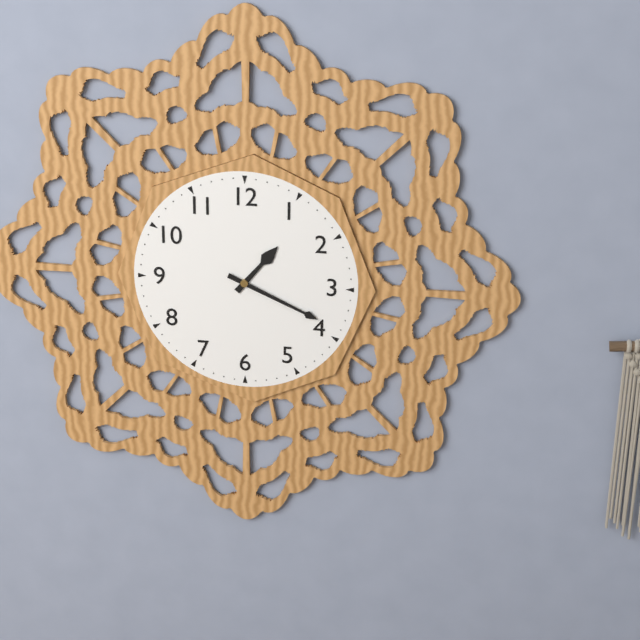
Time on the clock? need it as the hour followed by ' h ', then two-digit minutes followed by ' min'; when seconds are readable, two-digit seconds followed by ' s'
1 h 19 min
